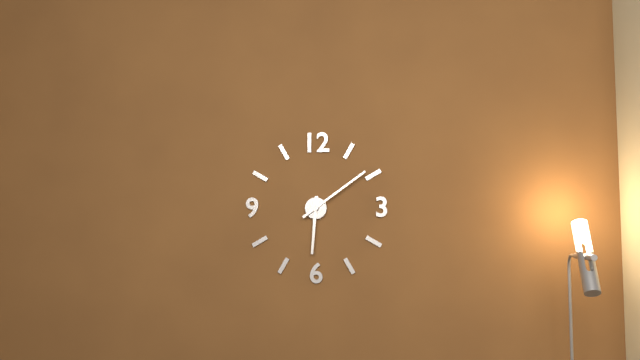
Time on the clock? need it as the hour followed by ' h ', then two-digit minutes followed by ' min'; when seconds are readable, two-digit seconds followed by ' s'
6 h 09 min
